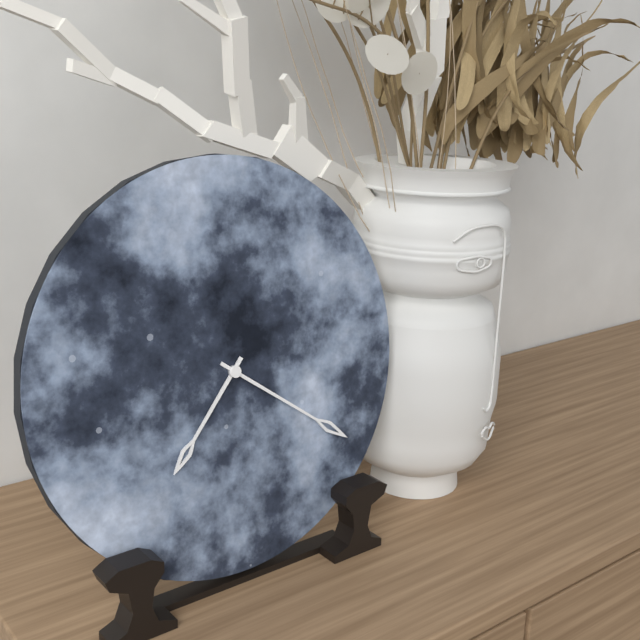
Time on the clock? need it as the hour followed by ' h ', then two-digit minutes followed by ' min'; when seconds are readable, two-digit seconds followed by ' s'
7 h 21 min
